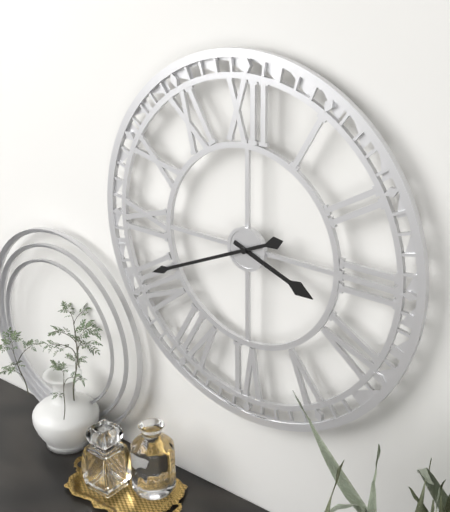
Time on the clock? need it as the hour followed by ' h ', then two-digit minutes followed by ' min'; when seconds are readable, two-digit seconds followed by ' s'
3 h 41 min
